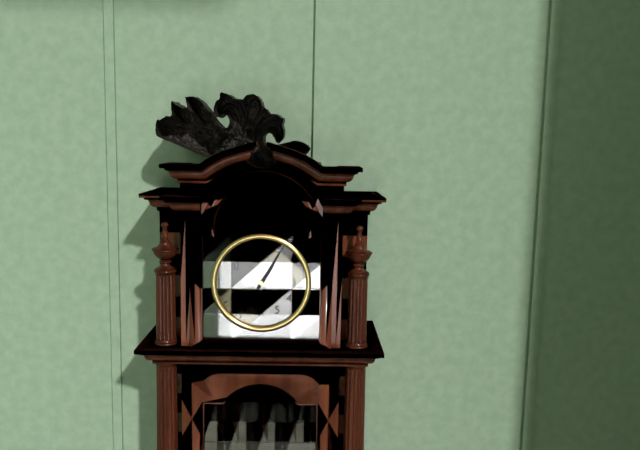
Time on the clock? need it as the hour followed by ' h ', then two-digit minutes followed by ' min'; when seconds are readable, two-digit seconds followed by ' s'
1 h 05 min
